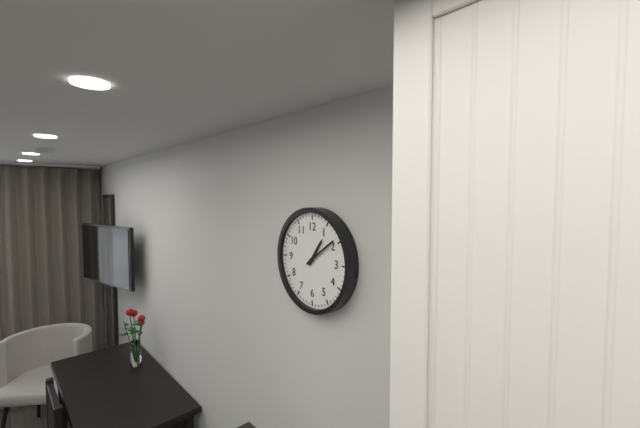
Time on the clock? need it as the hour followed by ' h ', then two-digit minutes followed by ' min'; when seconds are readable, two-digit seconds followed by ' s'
1 h 09 min
